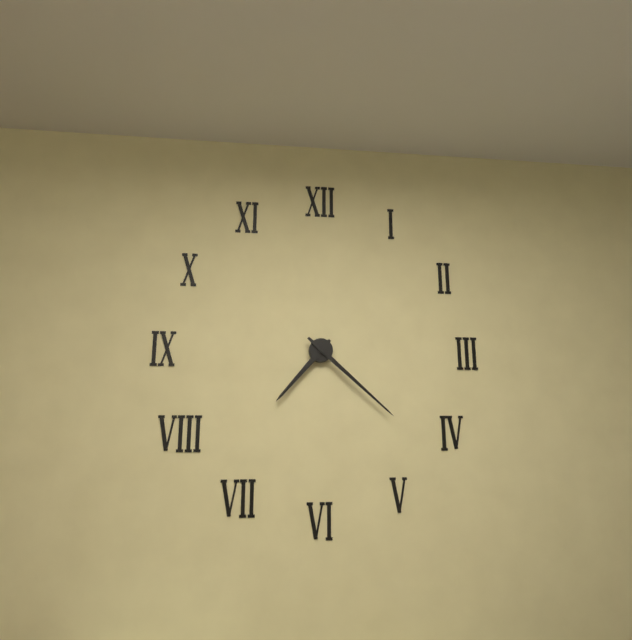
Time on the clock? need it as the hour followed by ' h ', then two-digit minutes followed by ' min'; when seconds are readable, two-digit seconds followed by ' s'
7 h 22 min
